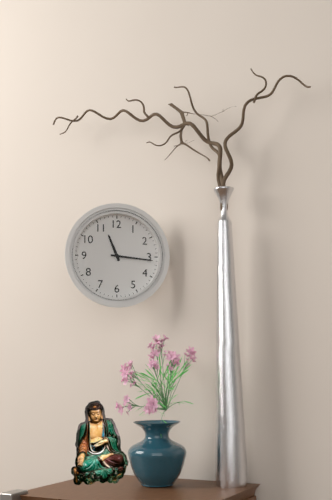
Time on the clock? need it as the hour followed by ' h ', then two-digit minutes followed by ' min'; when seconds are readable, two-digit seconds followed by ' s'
11 h 16 min
